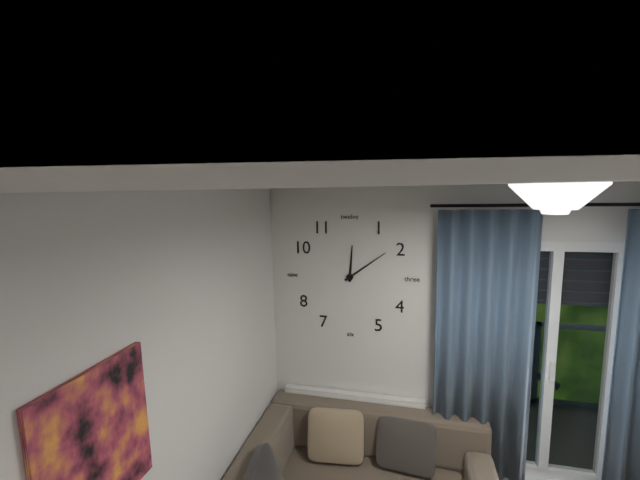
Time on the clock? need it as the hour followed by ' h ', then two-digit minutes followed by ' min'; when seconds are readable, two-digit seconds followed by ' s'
12 h 09 min
